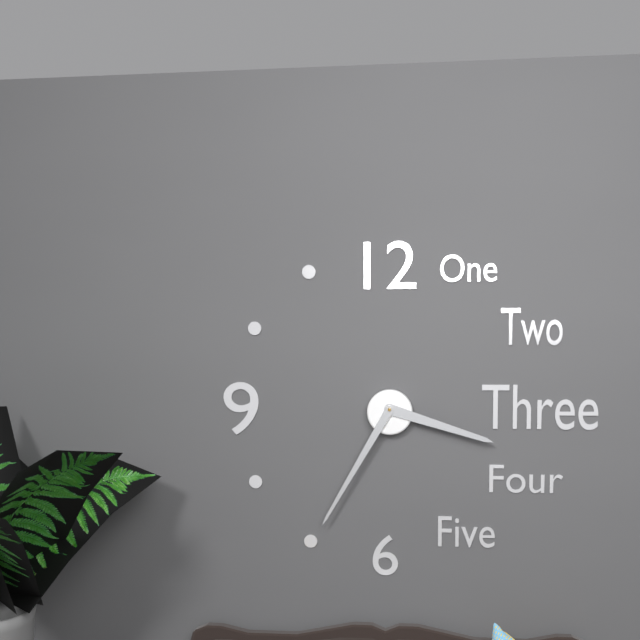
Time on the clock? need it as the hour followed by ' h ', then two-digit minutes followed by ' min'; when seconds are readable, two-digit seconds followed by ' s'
3 h 35 min
